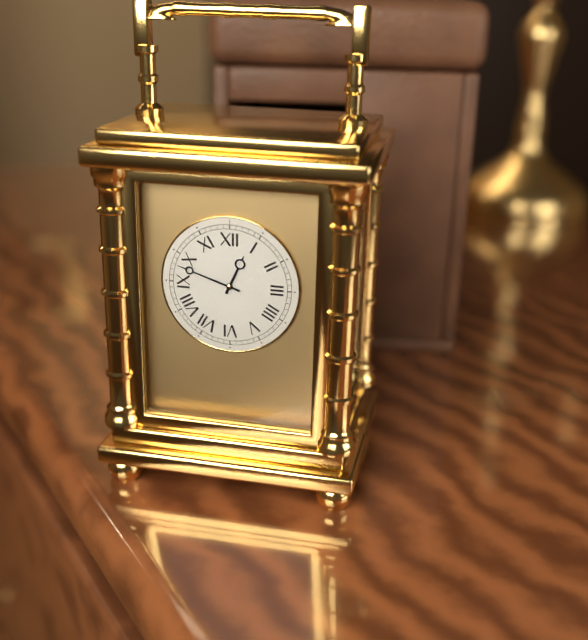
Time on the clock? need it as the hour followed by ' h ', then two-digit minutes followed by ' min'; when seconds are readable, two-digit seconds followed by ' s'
12 h 48 min
